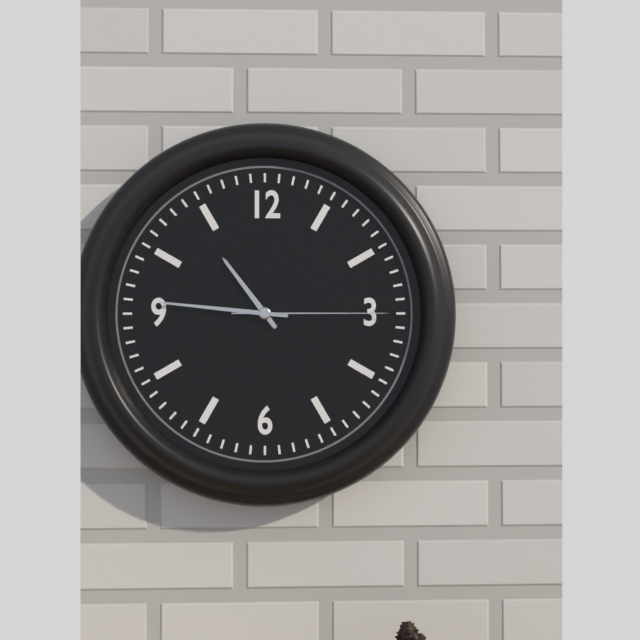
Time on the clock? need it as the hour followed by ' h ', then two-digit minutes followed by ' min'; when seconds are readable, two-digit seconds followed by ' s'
10 h 46 min 15 s
